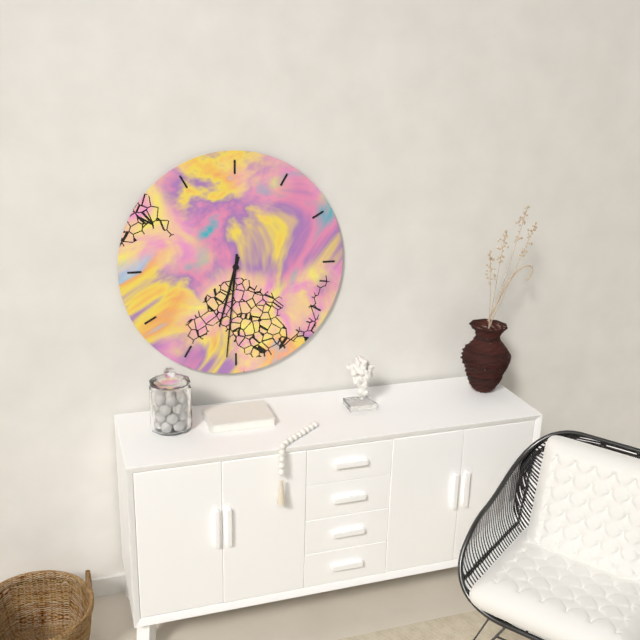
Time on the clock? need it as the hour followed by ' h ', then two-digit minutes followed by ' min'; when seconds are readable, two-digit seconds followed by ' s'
6 h 31 min
